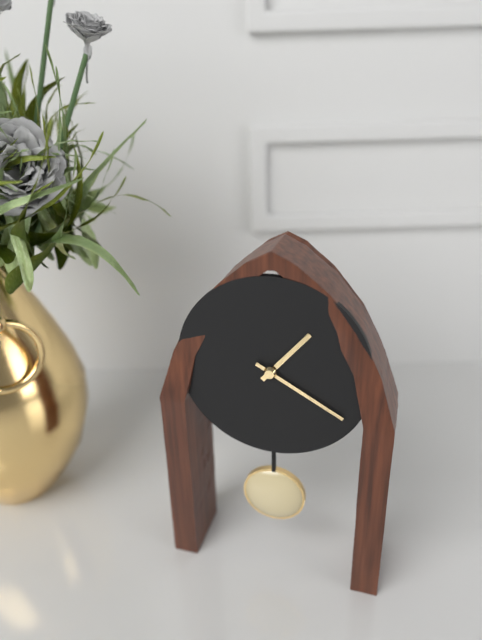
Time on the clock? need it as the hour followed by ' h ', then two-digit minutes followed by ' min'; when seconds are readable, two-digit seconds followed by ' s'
1 h 20 min
